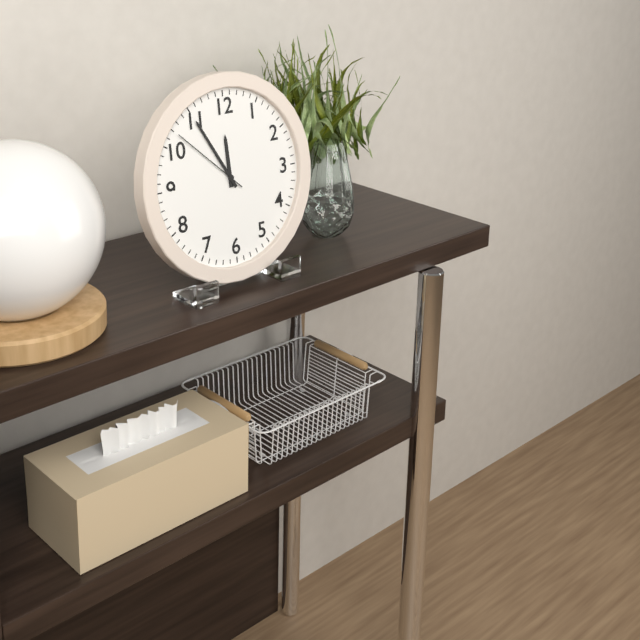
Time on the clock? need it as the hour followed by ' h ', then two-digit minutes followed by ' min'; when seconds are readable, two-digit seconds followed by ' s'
11 h 55 min 52 s
